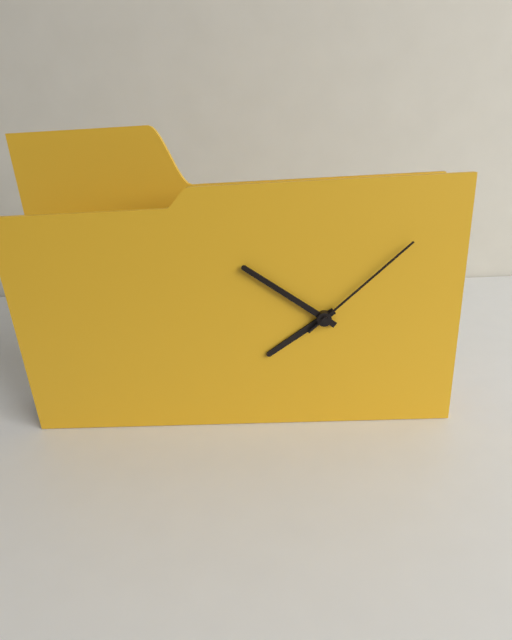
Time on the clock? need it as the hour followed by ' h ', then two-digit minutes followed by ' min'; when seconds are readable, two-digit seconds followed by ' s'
7 h 51 min 08 s
